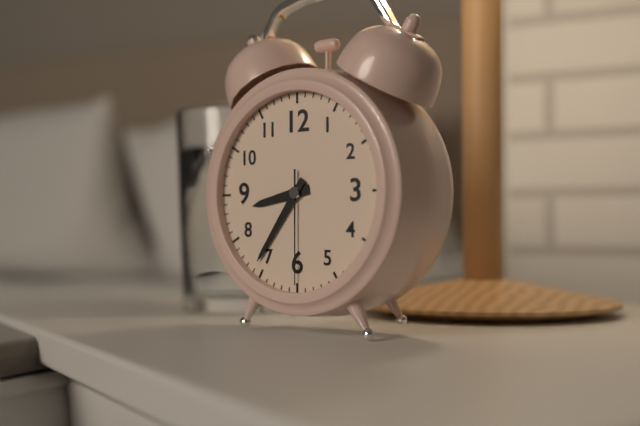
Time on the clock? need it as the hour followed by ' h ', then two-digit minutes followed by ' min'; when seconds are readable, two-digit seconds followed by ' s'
8 h 36 min 30 s
